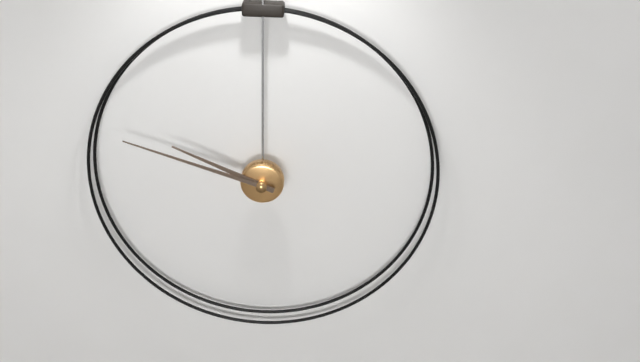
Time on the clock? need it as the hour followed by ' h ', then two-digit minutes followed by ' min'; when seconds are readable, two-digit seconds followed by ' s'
9 h 48 min
